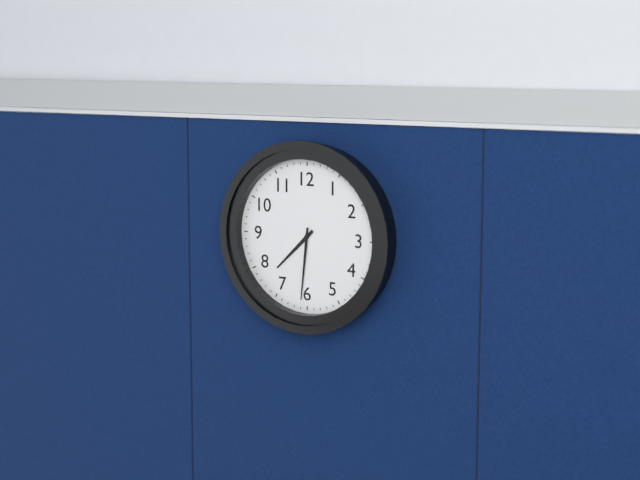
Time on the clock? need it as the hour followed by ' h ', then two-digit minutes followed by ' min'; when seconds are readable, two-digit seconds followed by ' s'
7 h 31 min
